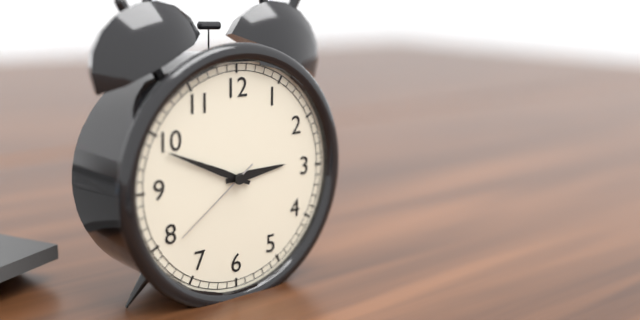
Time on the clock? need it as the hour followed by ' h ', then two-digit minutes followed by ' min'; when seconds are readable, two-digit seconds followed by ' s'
2 h 49 min 39 s
